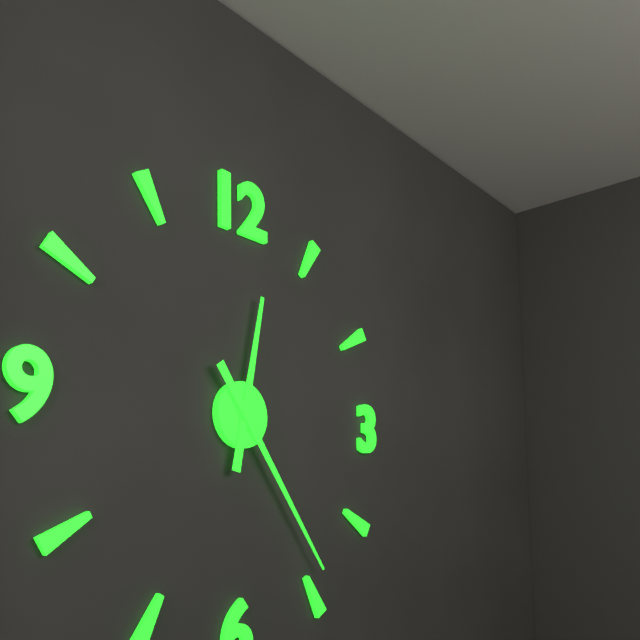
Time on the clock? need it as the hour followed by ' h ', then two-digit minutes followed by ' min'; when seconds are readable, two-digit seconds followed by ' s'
12 h 24 min
